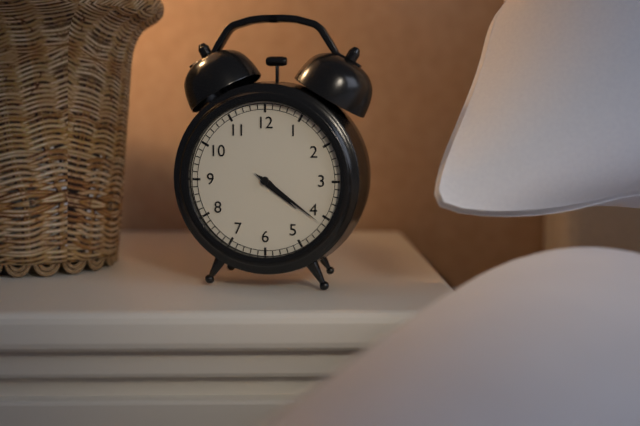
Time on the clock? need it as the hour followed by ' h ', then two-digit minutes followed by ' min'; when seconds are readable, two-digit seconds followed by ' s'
4 h 21 min
